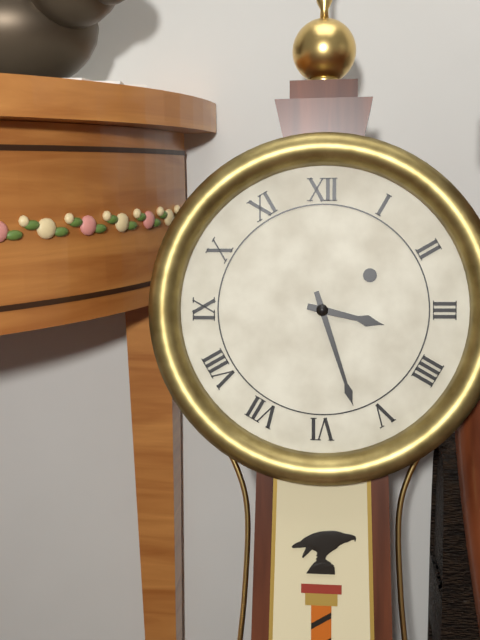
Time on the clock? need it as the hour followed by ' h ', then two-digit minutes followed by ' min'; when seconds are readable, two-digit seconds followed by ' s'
3 h 27 min
